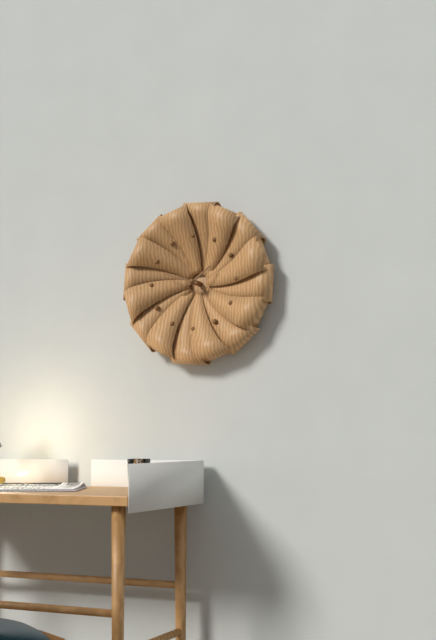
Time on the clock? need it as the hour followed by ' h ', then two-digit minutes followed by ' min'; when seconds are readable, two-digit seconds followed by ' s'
1 h 48 min
